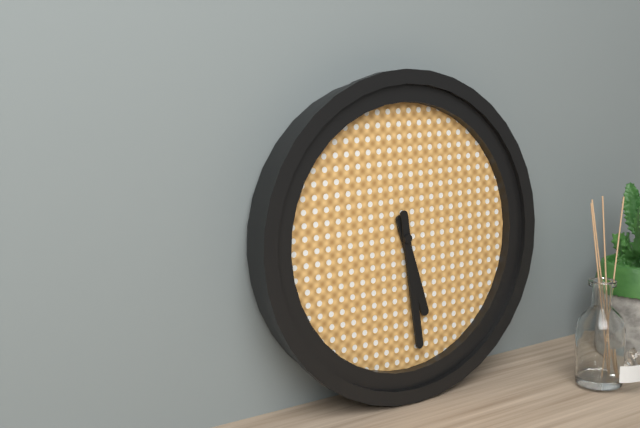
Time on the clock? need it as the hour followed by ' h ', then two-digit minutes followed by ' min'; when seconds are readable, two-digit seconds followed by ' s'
5 h 29 min
